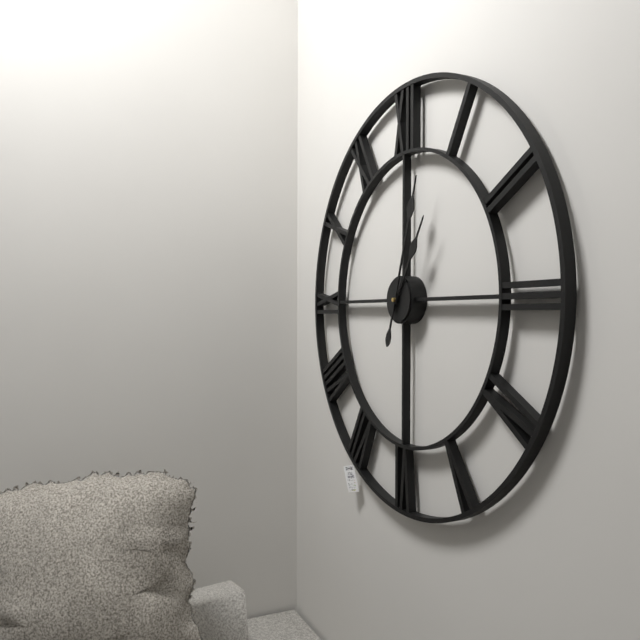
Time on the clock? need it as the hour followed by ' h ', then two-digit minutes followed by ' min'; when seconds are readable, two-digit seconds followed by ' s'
1 h 03 min
